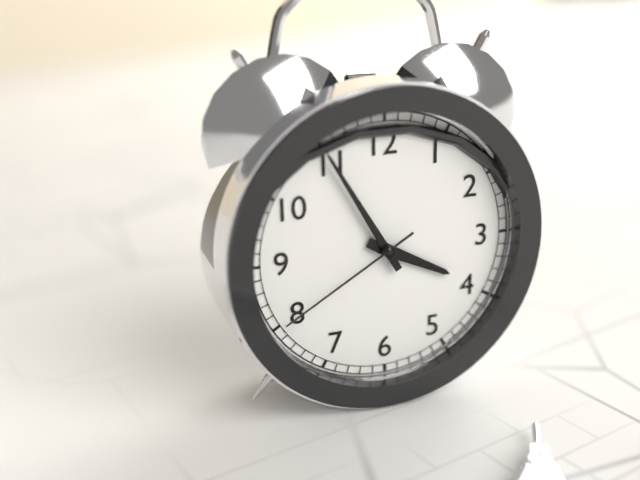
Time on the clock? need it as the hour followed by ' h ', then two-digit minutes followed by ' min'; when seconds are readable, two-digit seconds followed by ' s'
3 h 55 min 40 s
